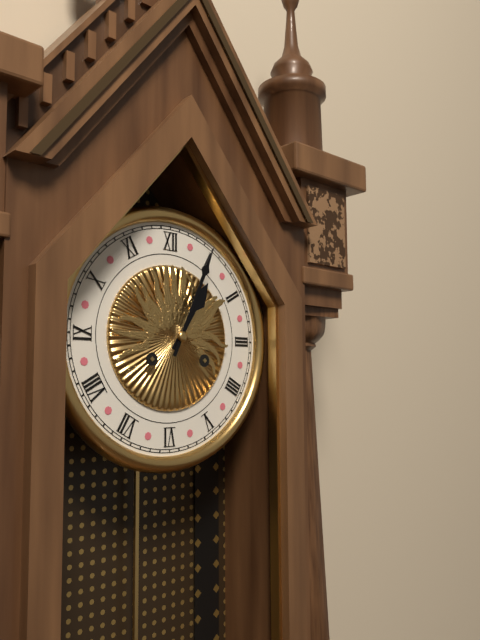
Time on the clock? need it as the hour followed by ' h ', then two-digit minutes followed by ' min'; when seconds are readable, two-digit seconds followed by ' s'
1 h 04 min
